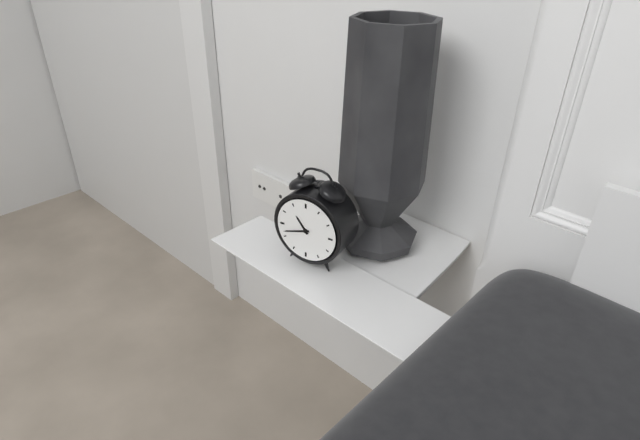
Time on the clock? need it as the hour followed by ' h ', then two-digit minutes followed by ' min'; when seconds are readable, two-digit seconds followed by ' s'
10 h 42 min
